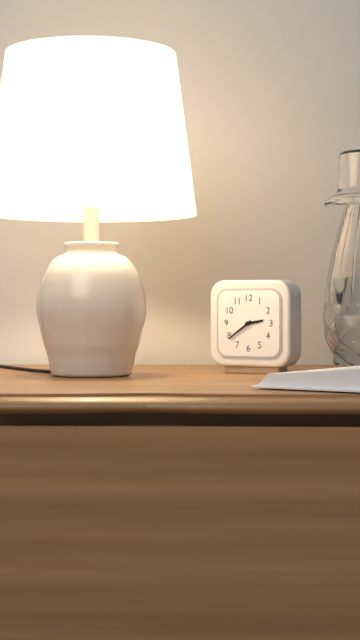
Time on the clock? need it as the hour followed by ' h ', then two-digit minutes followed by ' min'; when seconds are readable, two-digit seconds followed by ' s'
2 h 39 min
